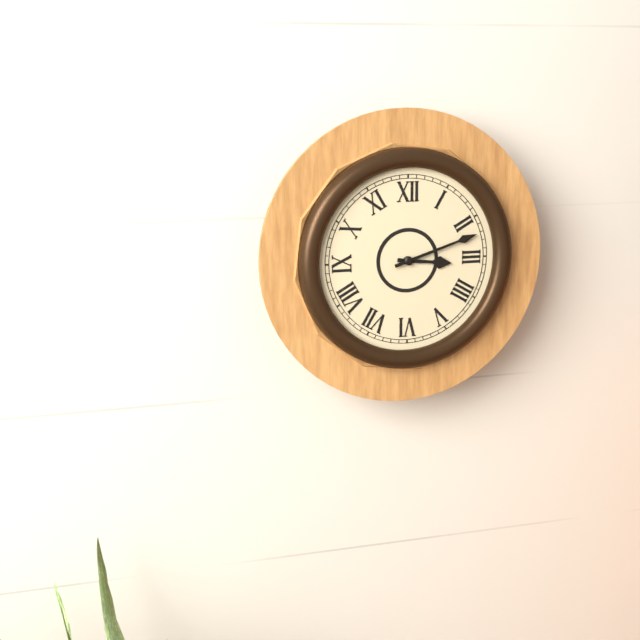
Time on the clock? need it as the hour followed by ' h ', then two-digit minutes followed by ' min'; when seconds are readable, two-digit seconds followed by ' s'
3 h 12 min
